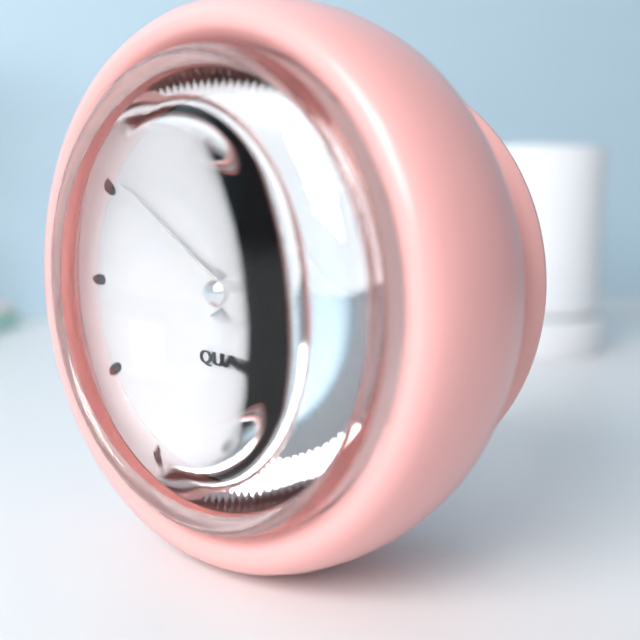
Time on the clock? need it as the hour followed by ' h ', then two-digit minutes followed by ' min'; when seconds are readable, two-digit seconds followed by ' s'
1 h 51 min
